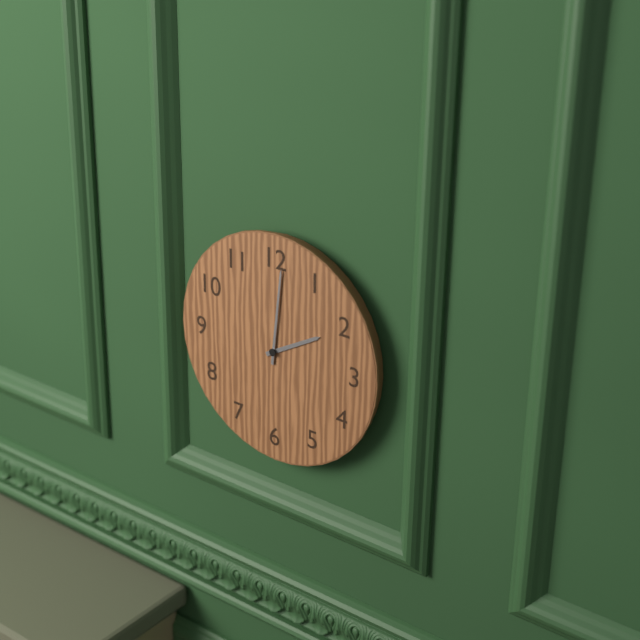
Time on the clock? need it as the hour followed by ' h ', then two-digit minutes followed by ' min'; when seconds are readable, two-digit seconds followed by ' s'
2 h 01 min
